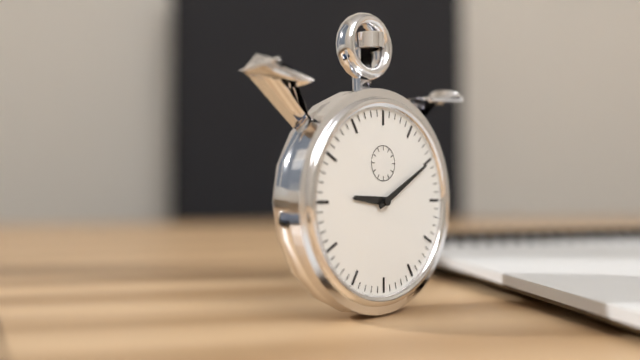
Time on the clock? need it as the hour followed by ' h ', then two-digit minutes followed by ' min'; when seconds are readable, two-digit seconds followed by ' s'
9 h 10 min
